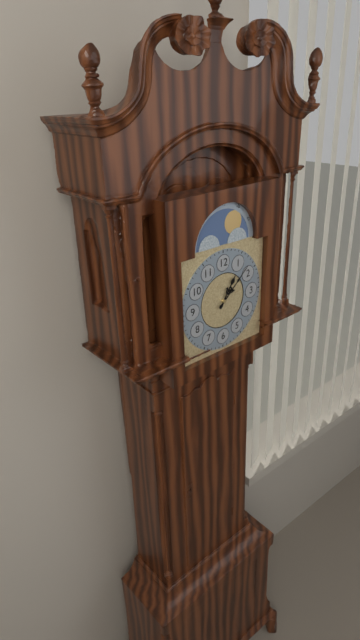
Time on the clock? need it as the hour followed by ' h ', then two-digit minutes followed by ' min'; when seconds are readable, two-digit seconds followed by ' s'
1 h 08 min
